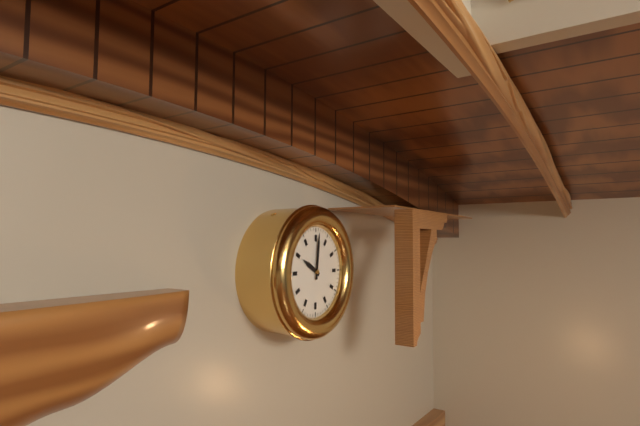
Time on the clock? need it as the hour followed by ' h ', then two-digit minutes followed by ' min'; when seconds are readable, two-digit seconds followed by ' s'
10 h 01 min
